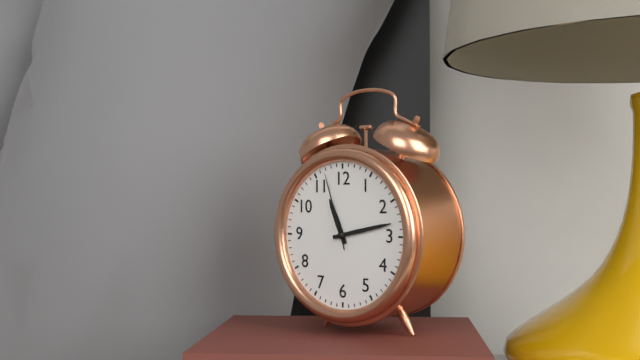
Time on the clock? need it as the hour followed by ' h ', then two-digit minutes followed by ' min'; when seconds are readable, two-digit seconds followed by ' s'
11 h 13 min 57 s
